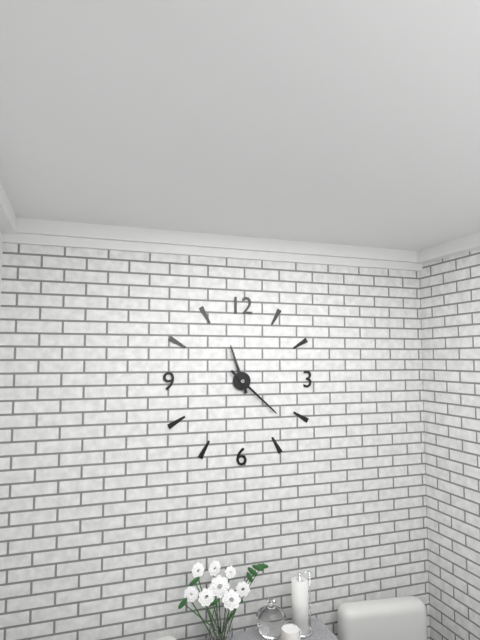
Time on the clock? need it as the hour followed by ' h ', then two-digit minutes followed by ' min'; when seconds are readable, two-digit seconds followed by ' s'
11 h 22 min
